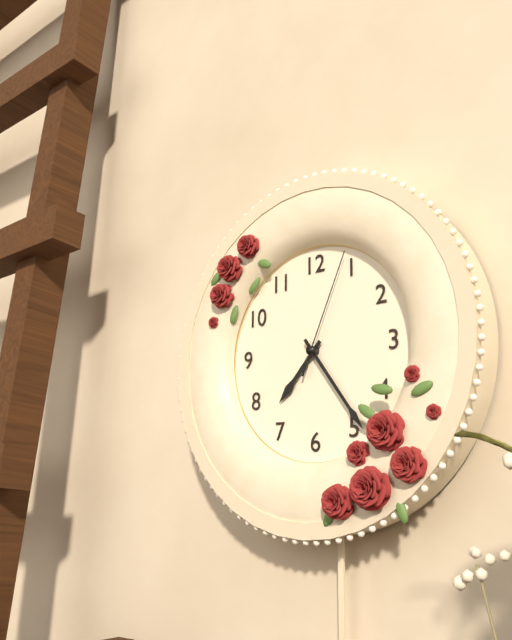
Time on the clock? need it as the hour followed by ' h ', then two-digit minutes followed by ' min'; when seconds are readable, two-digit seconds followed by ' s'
7 h 24 min 04 s
